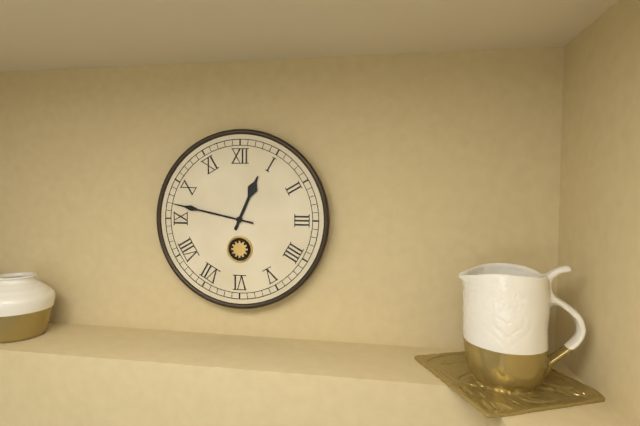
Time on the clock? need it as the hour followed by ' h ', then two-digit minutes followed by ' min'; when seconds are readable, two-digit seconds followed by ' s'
12 h 47 min
